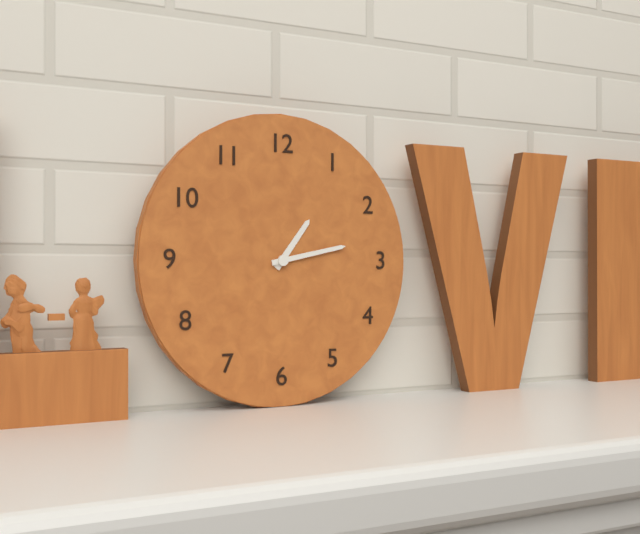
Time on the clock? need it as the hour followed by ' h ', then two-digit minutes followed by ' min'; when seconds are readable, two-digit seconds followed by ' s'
1 h 13 min
